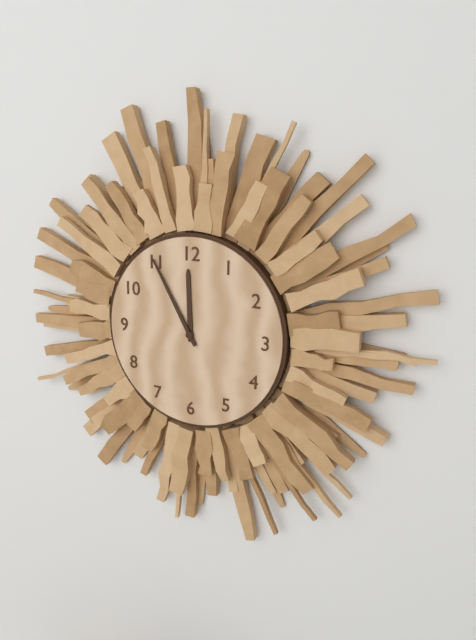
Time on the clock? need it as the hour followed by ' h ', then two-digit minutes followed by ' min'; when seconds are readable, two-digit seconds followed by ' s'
11 h 55 min
